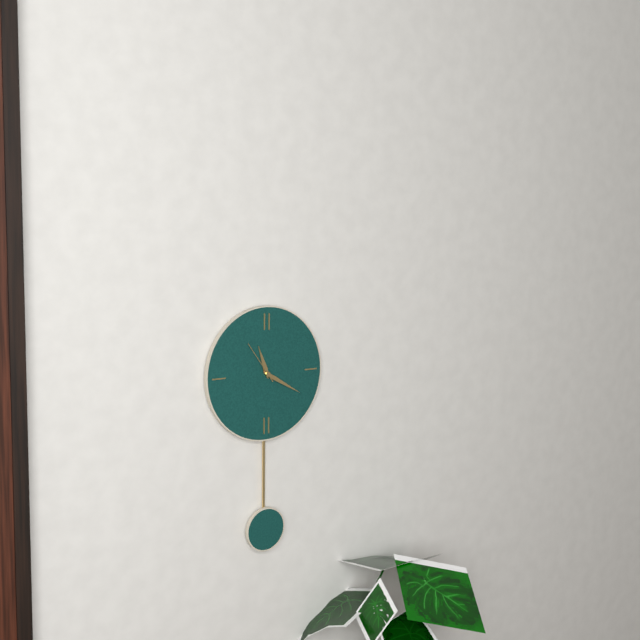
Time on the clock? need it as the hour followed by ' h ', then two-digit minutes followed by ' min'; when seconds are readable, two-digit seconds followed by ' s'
11 h 20 min
